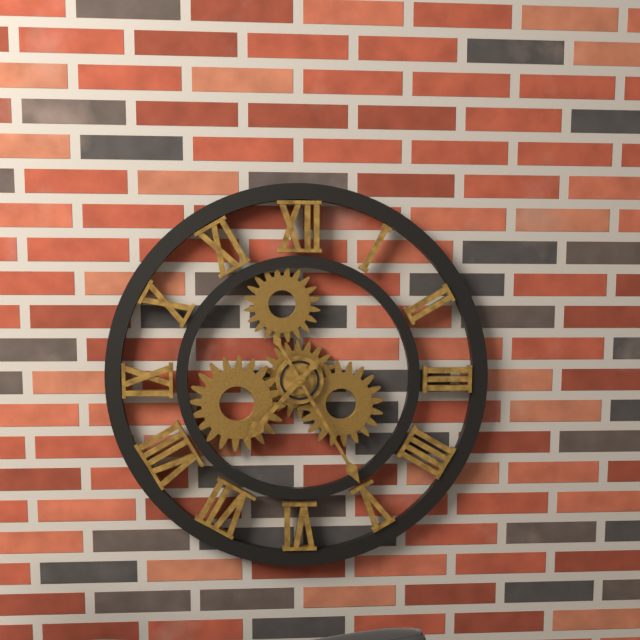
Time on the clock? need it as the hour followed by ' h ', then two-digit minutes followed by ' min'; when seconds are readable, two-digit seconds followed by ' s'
7 h 25 min
